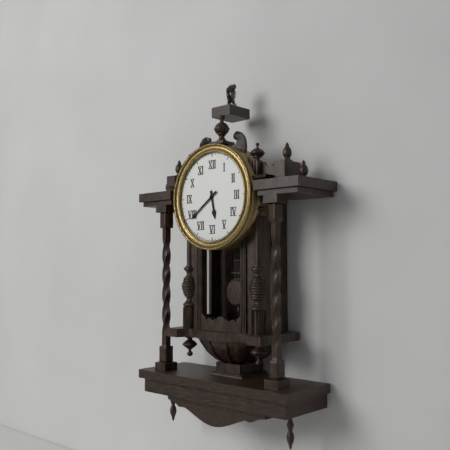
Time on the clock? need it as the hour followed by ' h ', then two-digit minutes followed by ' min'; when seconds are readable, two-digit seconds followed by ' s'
5 h 39 min
